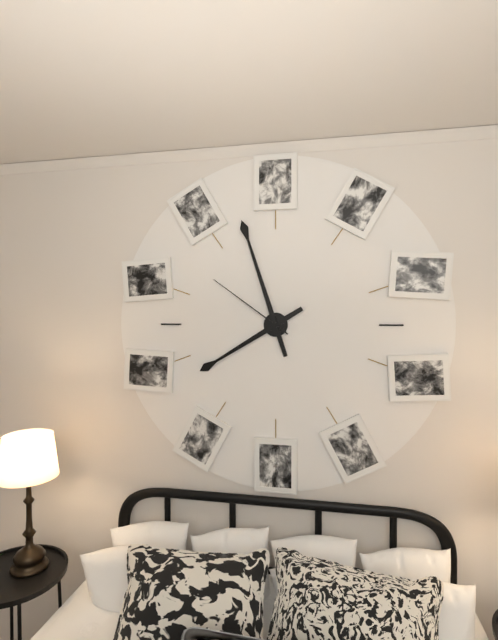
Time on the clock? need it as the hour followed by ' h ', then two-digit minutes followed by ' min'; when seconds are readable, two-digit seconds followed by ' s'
7 h 57 min 51 s
